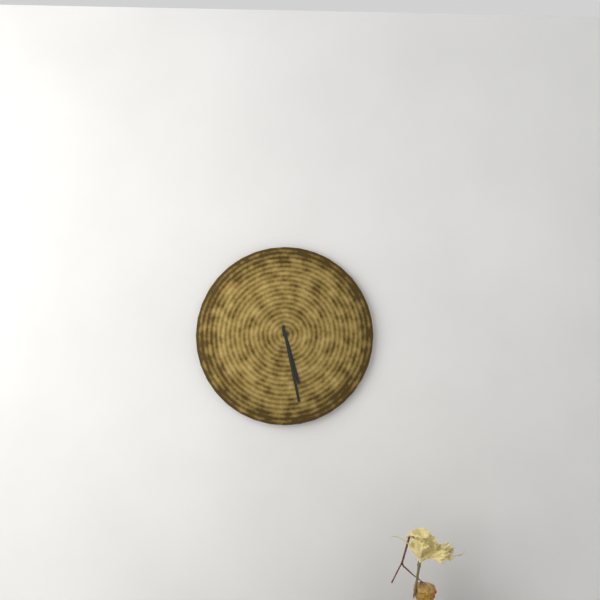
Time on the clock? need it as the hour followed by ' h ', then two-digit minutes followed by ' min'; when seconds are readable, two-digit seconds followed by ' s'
5 h 28 min
